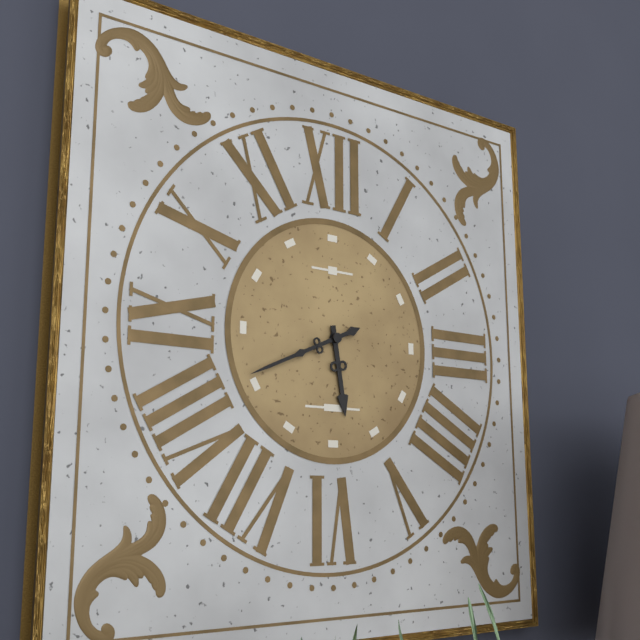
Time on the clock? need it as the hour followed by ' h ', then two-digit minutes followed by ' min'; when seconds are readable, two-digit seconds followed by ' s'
5 h 41 min
